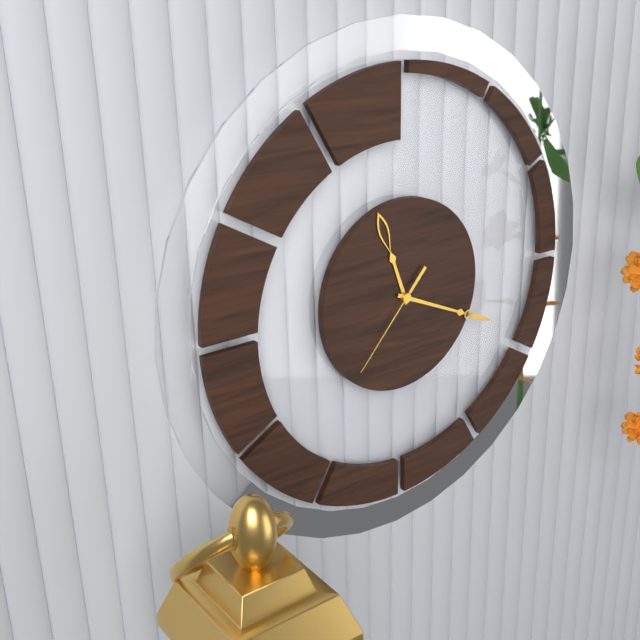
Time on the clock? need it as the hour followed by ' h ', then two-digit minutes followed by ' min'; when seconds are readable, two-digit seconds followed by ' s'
11 h 19 min 37 s
